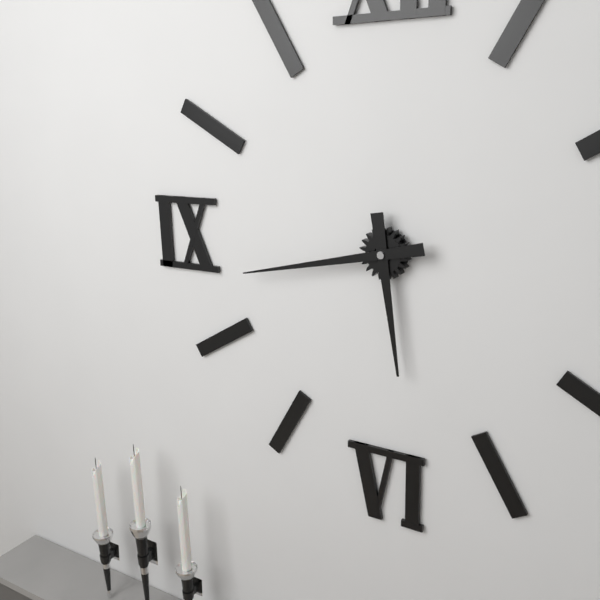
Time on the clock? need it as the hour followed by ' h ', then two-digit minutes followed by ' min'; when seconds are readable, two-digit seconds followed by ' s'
5 h 43 min
